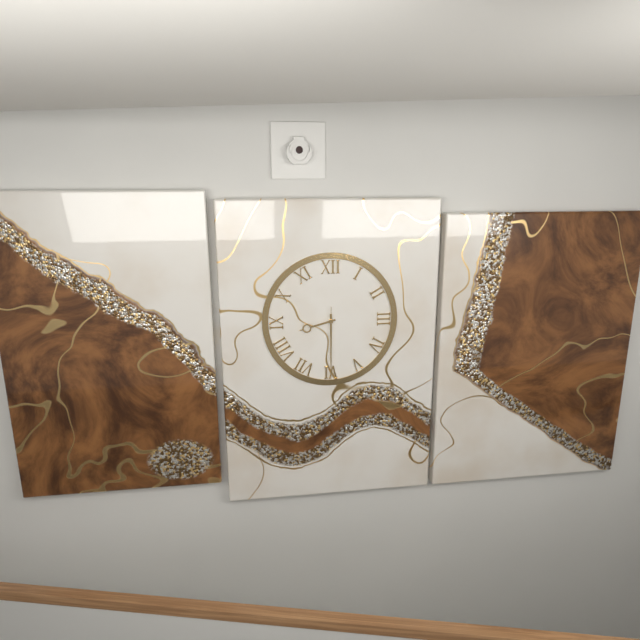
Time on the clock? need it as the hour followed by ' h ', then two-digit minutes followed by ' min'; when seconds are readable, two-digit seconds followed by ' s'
8 h 30 min 30 s
